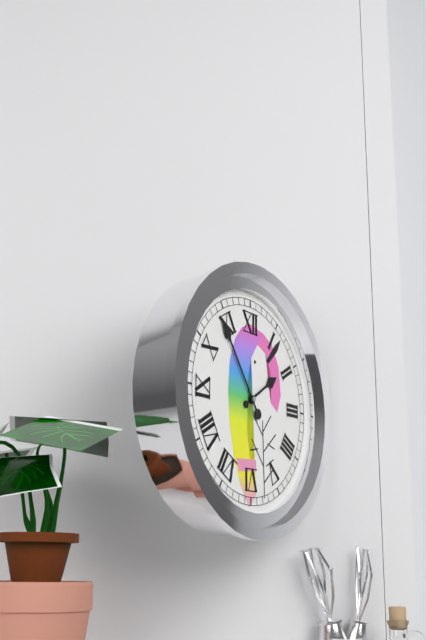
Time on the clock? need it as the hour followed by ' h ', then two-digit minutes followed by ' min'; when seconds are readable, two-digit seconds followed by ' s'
1 h 54 min
